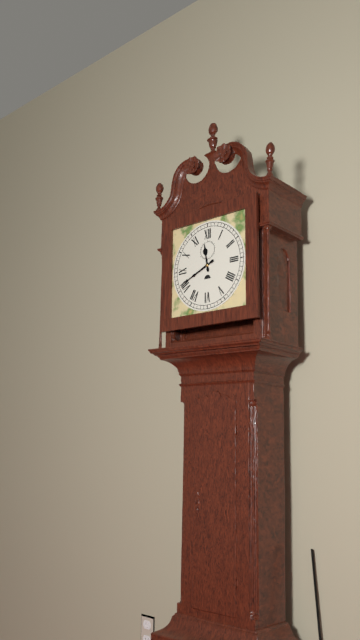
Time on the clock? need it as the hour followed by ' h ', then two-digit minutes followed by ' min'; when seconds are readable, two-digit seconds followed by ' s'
11 h 41 min
